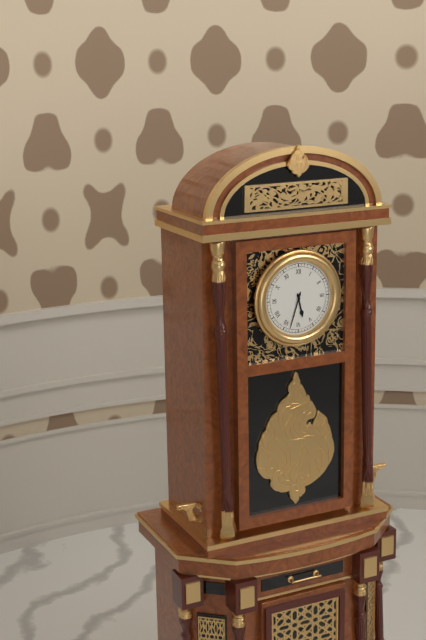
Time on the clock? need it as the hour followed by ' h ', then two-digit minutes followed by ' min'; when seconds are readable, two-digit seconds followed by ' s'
5 h 33 min
